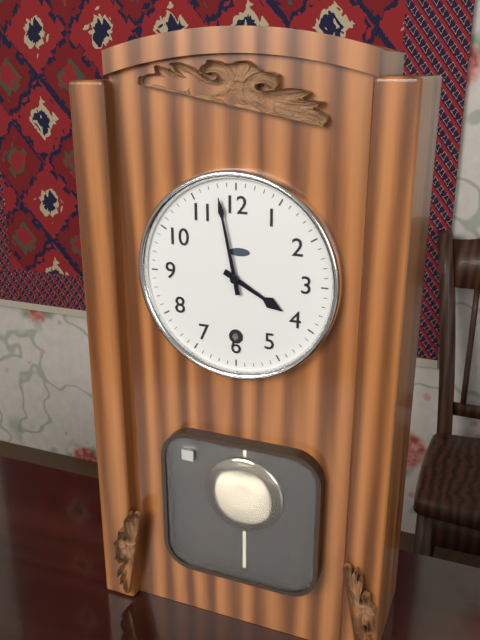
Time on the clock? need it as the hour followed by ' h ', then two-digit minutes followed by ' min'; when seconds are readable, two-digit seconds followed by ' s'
3 h 58 min
